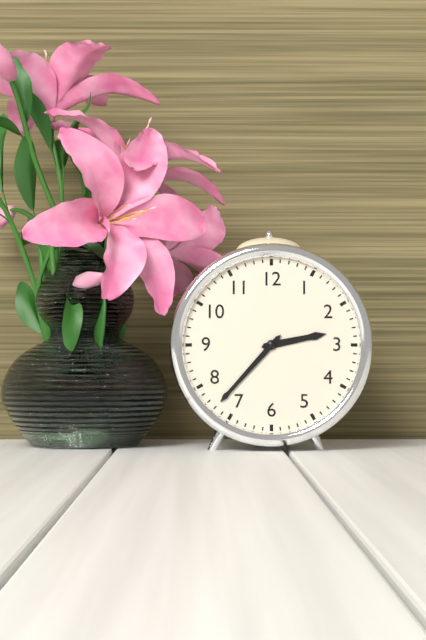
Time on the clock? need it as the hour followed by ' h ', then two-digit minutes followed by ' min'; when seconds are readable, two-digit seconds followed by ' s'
2 h 37 min
